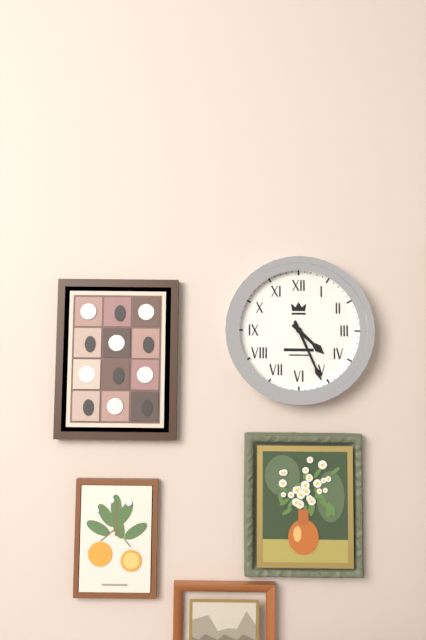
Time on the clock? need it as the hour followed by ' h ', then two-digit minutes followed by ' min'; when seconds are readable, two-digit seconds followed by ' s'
4 h 26 min
